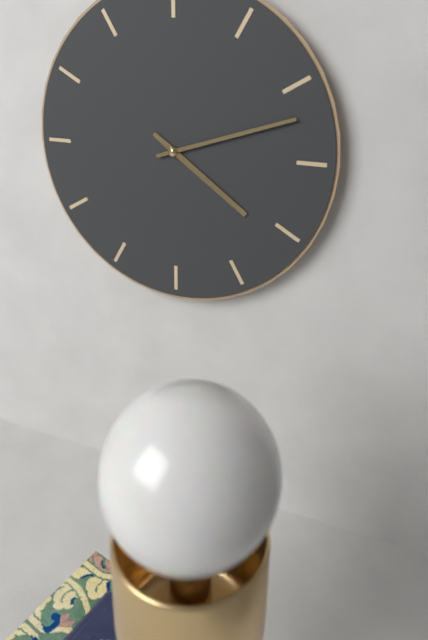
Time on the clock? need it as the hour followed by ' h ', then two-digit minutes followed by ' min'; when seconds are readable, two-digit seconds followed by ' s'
4 h 12 min
